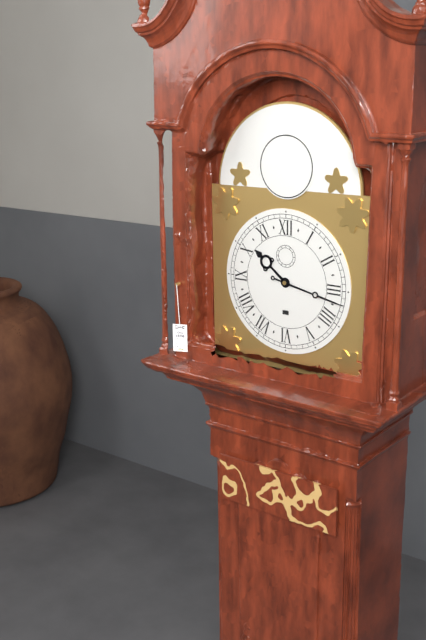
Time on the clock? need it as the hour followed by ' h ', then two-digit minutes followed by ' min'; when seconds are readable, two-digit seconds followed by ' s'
10 h 17 min
